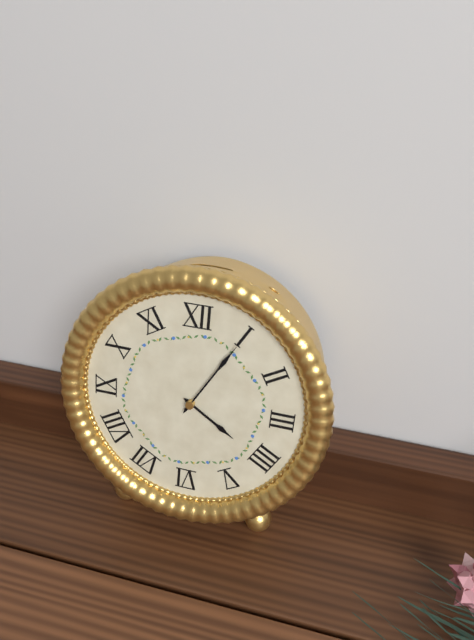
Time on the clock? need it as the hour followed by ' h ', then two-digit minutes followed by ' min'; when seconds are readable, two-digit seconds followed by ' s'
4 h 05 min
